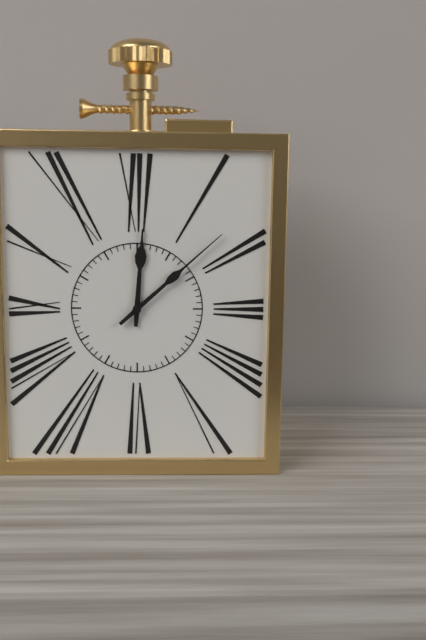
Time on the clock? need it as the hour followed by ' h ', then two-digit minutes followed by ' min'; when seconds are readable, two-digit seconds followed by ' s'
12 h 08 min
